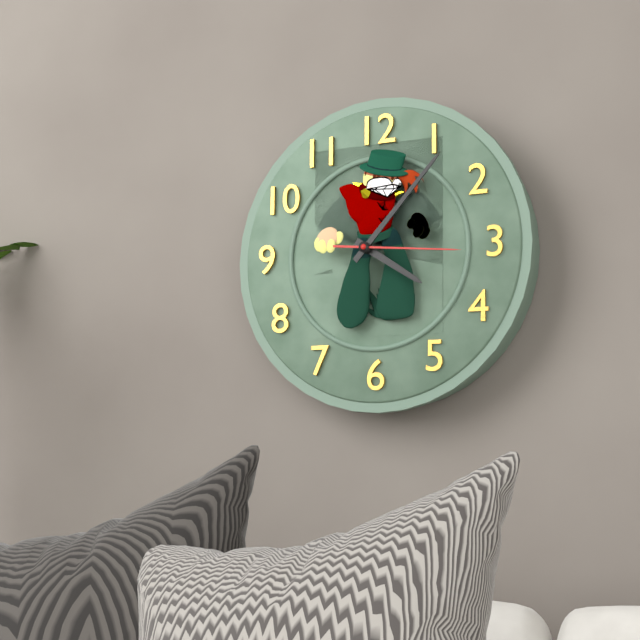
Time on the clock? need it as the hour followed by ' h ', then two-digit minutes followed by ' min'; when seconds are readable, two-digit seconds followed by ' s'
4 h 07 min 16 s
